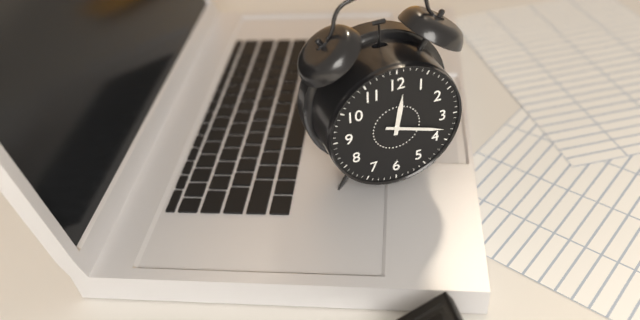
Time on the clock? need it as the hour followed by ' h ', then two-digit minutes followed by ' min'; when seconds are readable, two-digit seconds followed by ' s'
12 h 18 min
